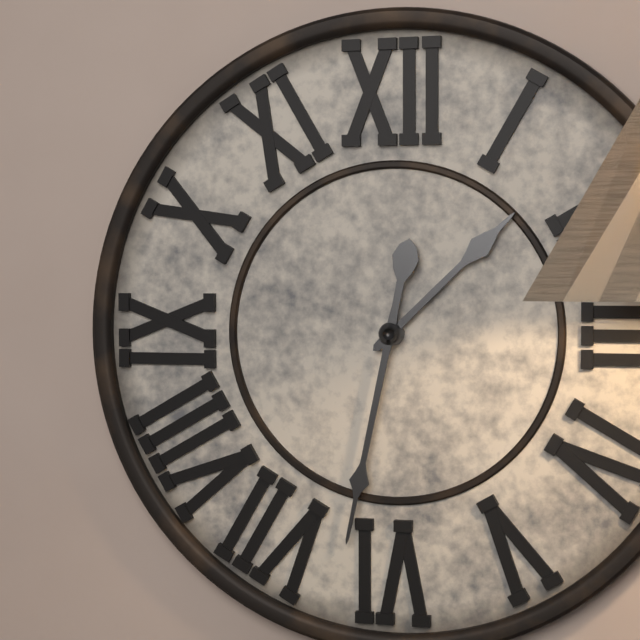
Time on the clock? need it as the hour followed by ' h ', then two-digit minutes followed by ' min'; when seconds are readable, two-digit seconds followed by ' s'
1 h 32 min
